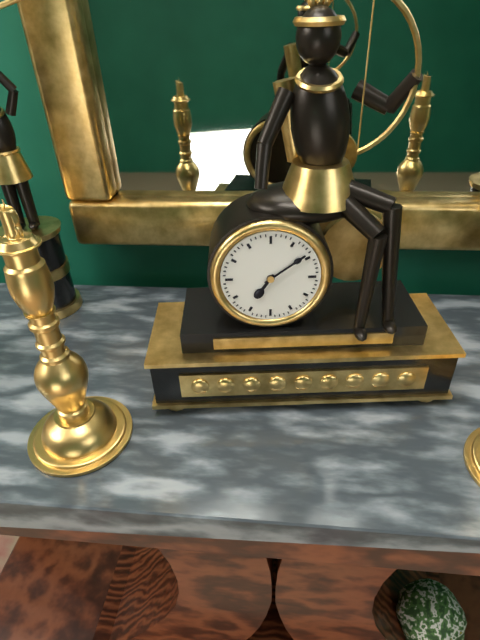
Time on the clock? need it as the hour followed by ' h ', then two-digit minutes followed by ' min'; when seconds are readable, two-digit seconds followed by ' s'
7 h 09 min
